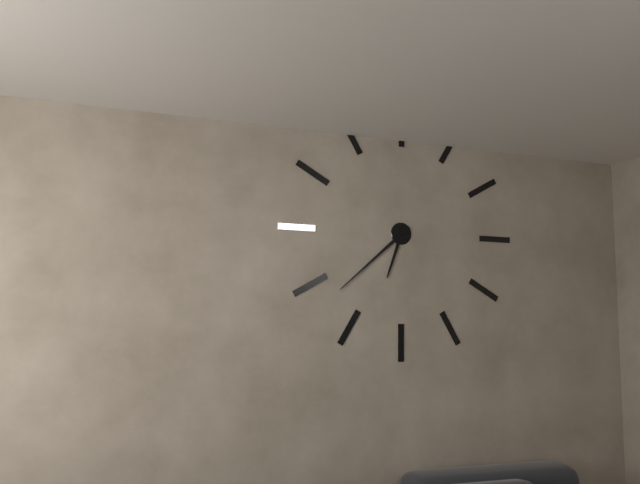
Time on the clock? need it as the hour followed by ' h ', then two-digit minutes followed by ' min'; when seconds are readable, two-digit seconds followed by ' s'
6 h 38 min
